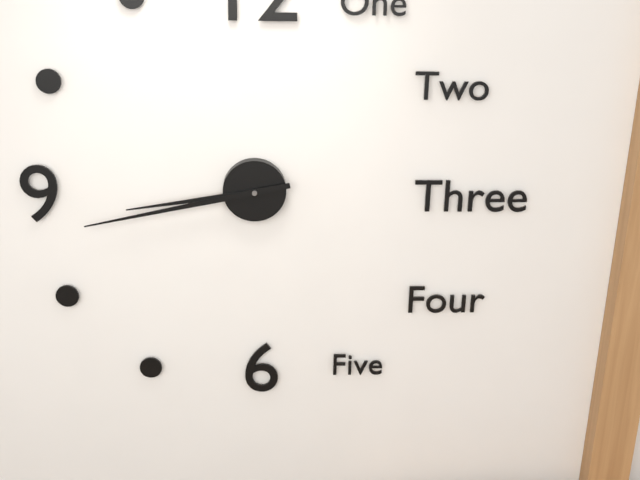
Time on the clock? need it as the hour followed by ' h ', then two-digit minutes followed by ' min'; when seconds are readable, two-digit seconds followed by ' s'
8 h 43 min
